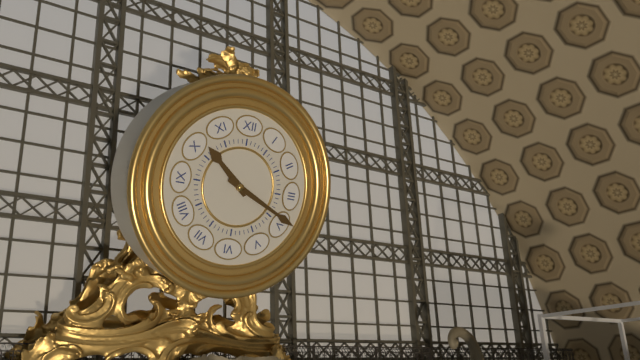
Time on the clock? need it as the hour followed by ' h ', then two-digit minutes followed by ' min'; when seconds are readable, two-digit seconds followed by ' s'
10 h 19 min
